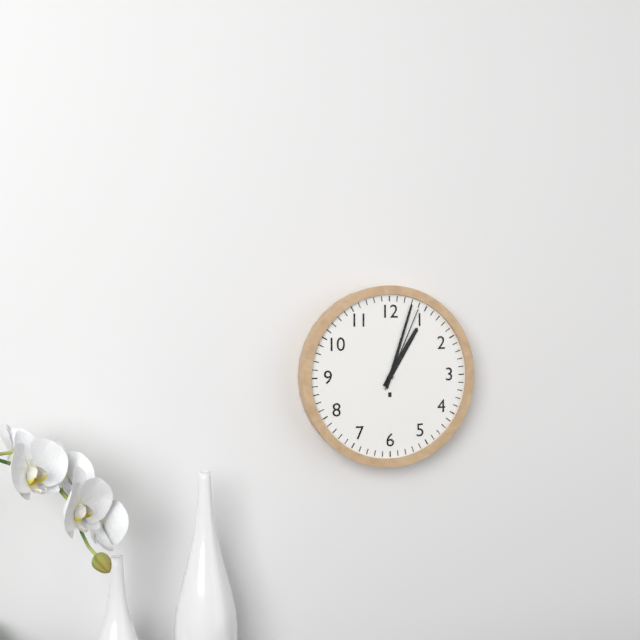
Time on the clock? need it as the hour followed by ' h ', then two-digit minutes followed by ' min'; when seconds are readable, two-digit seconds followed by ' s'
1 h 03 min 04 s
